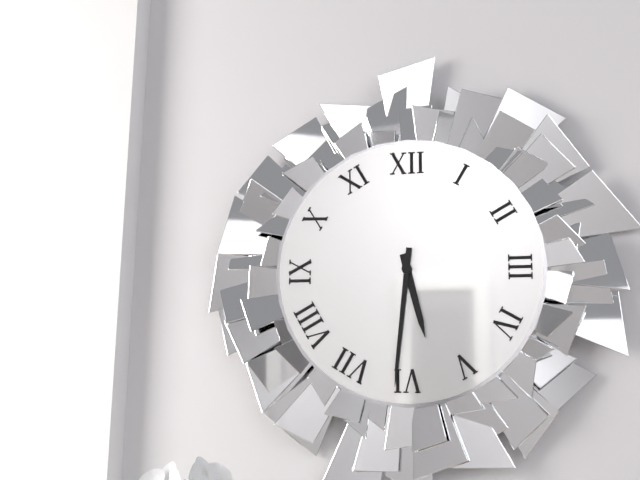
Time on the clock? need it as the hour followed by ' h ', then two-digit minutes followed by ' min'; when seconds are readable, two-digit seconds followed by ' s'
5 h 31 min
